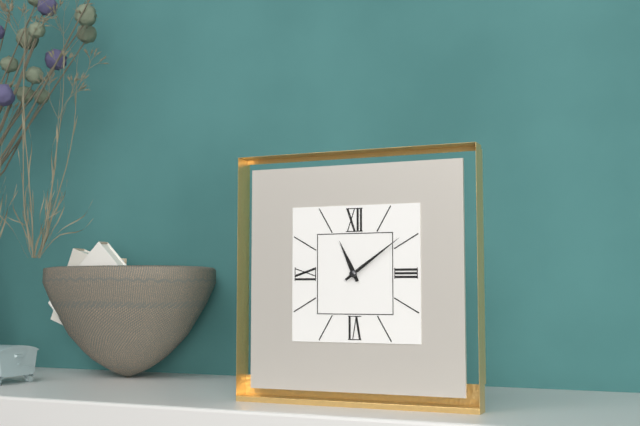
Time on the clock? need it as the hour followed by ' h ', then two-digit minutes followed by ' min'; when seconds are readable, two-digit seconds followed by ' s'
11 h 09 min
